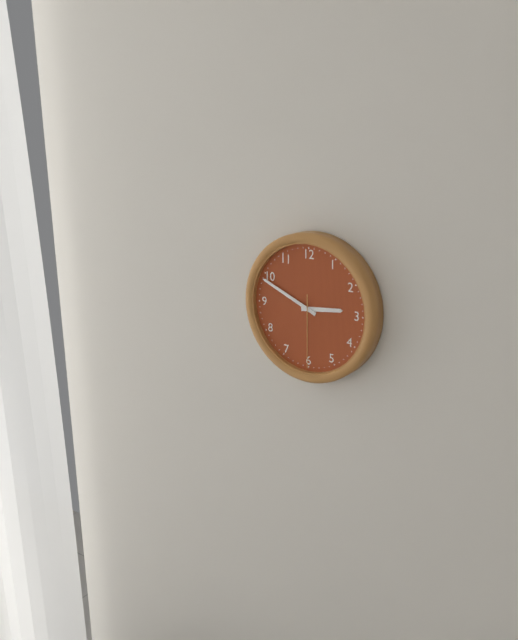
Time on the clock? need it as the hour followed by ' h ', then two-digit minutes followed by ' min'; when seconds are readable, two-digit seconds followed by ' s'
2 h 49 min 30 s
